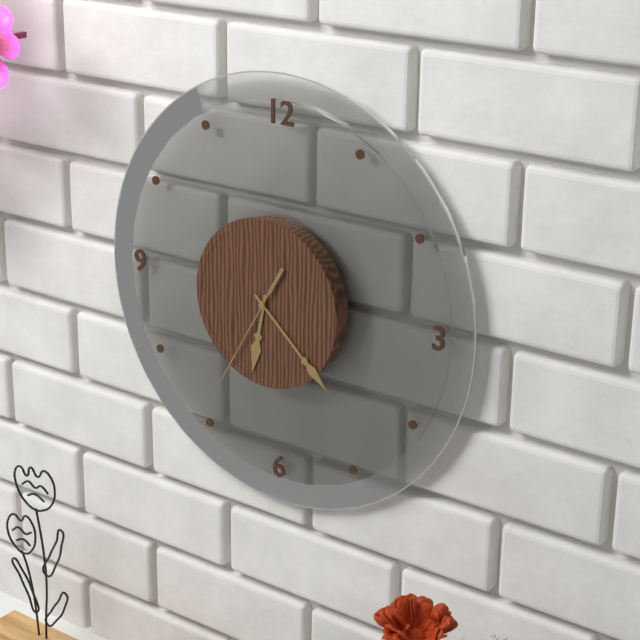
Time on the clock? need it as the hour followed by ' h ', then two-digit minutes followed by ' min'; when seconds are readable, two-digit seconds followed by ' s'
6 h 22 min 35 s
